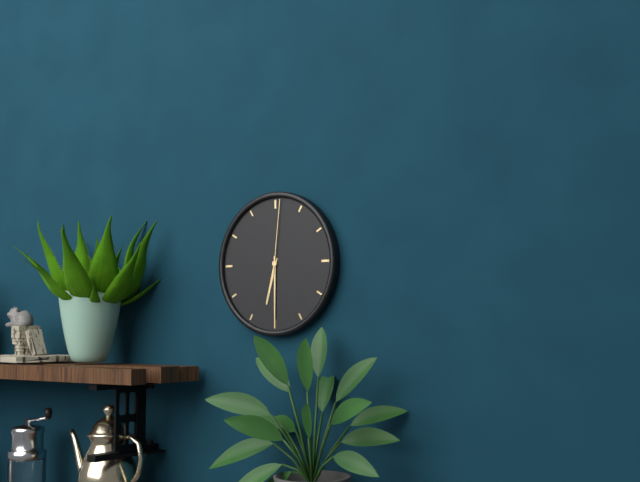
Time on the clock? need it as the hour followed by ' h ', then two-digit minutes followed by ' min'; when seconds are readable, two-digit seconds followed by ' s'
6 h 30 min 01 s
